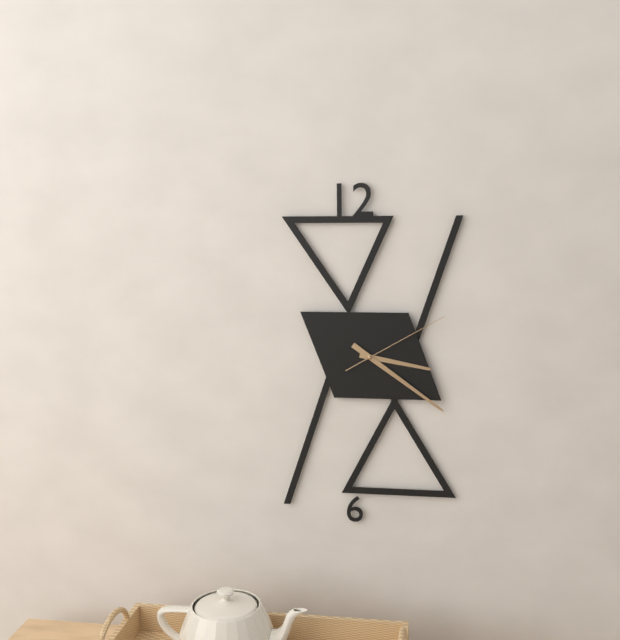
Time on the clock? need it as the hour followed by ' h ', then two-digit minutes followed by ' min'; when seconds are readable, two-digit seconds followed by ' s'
3 h 21 min 10 s
